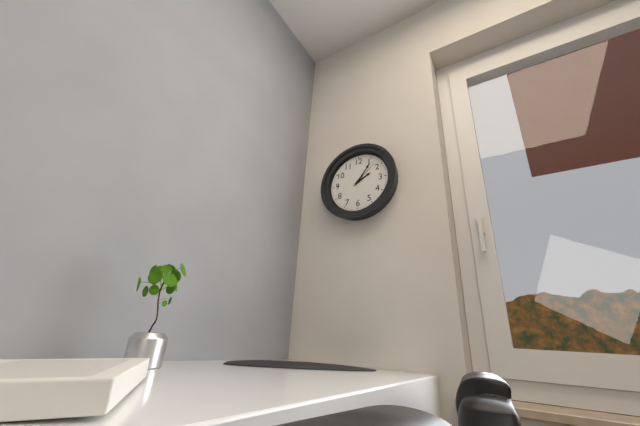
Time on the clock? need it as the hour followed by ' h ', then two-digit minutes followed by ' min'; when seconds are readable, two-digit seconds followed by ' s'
2 h 06 min
